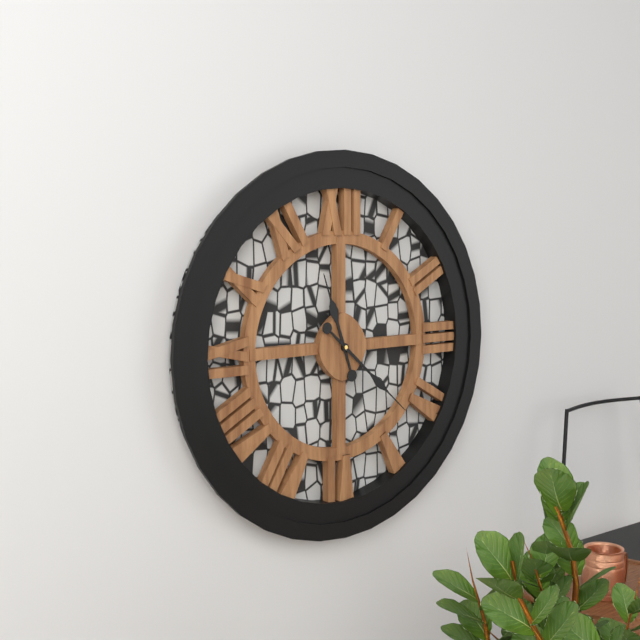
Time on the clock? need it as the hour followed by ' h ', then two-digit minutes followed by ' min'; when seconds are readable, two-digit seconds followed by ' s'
11 h 22 min
